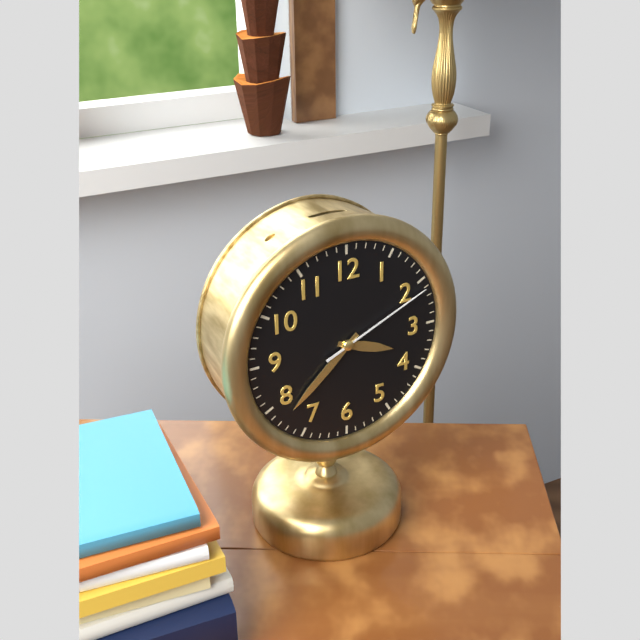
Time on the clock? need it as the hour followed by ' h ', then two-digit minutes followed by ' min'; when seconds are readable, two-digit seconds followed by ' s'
3 h 38 min 11 s
